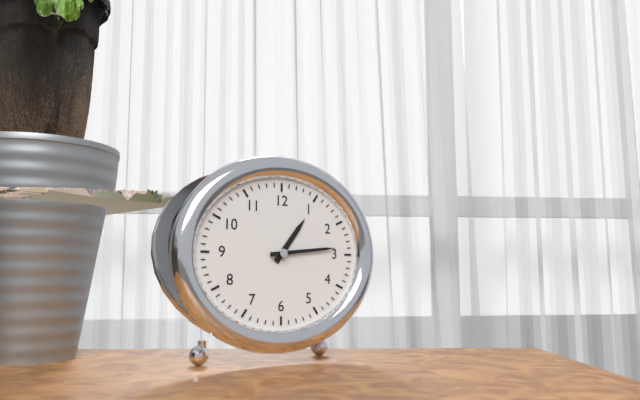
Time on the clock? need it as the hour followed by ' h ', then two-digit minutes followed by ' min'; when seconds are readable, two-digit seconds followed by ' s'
1 h 14 min
